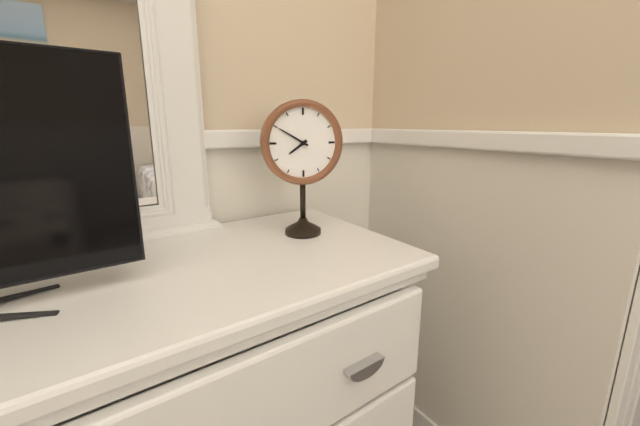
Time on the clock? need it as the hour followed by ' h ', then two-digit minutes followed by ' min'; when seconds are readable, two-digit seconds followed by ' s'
7 h 50 min
